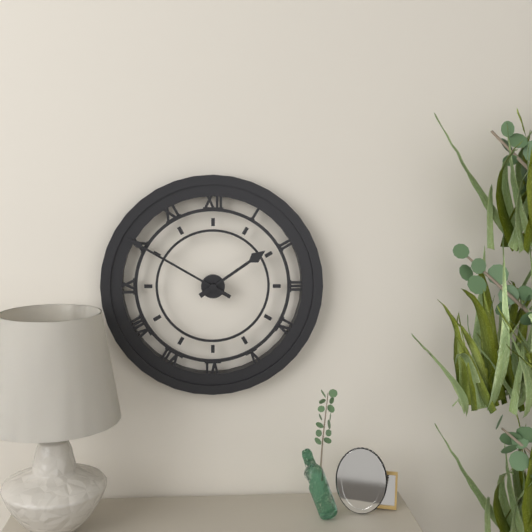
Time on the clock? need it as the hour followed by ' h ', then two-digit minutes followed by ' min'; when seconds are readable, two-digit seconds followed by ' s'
1 h 50 min
